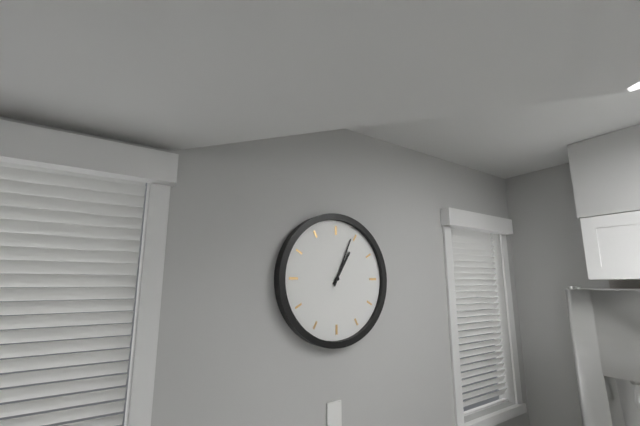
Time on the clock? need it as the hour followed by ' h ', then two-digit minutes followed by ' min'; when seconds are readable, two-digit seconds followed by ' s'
1 h 04 min
